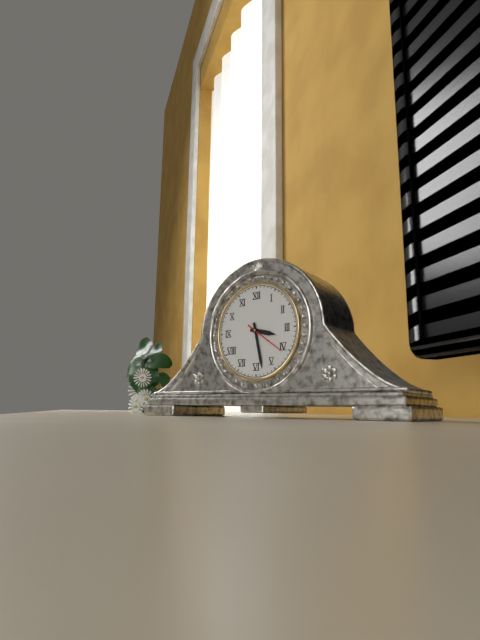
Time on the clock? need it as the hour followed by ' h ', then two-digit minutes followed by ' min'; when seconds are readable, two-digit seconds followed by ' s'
3 h 28 min
